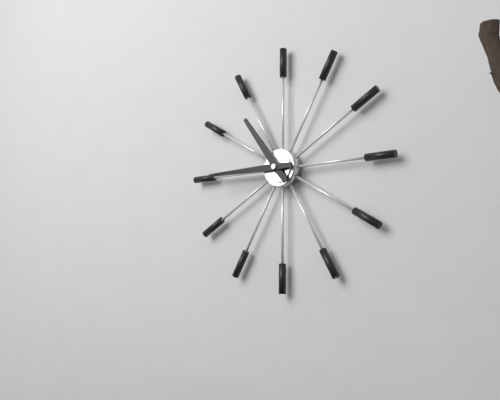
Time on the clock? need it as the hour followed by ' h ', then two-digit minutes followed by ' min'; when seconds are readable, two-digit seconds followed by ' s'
10 h 45 min
